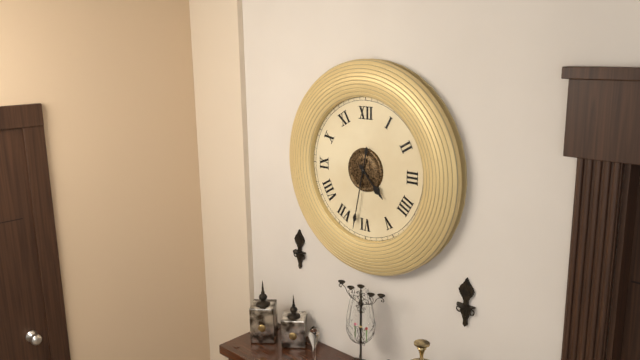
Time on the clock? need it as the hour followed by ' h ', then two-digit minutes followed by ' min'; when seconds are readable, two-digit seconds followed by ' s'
4 h 32 min
